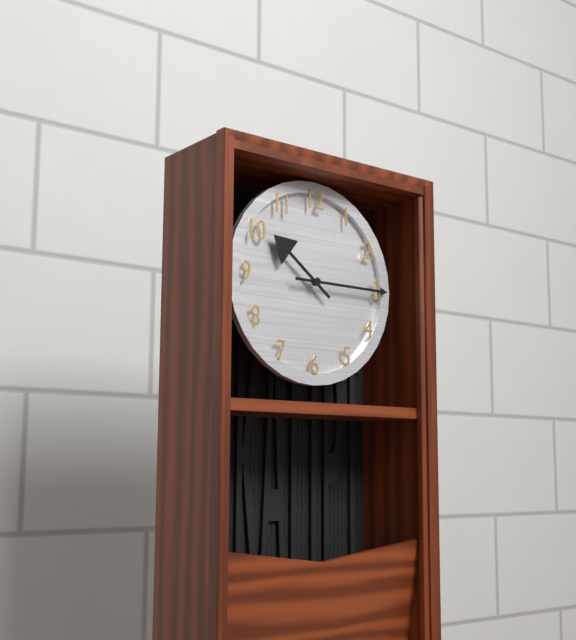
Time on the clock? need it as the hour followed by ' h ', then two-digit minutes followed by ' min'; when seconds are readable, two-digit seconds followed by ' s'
10 h 15 min
